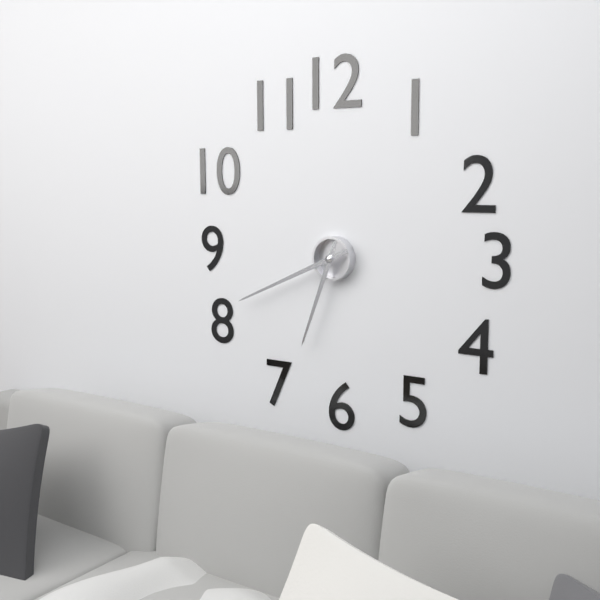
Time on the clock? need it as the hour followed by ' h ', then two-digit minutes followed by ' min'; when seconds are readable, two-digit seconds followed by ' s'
6 h 41 min
